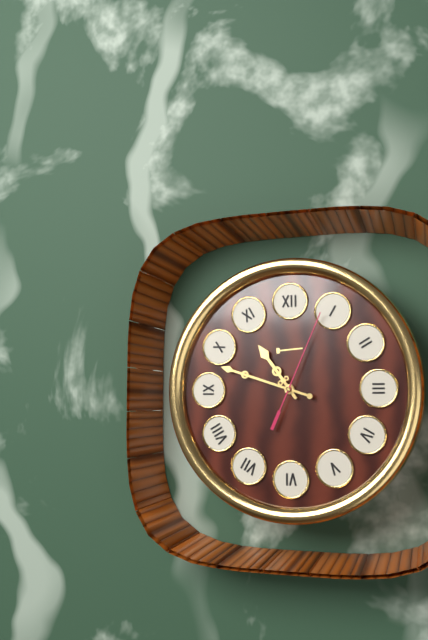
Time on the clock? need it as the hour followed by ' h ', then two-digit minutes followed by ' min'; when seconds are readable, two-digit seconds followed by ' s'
10 h 48 min 04 s
